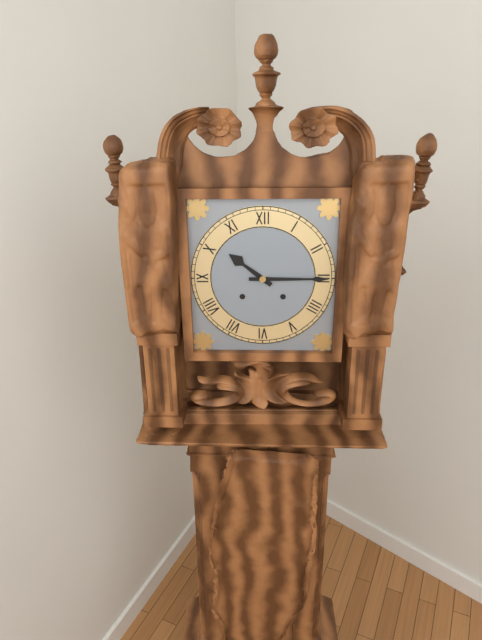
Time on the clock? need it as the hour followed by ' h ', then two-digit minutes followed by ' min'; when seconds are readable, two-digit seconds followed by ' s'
10 h 15 min
